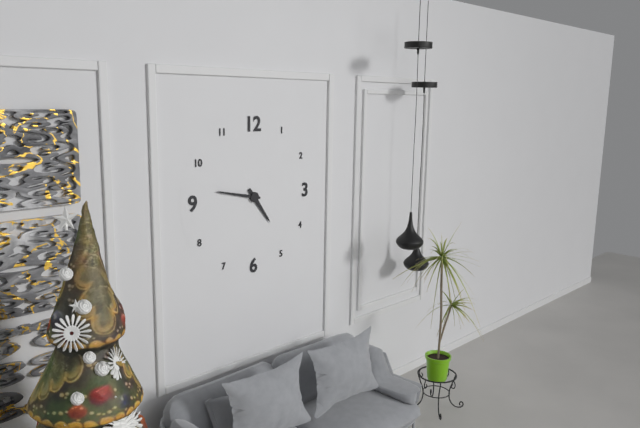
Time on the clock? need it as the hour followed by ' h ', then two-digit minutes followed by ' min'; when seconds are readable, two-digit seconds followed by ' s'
4 h 47 min
